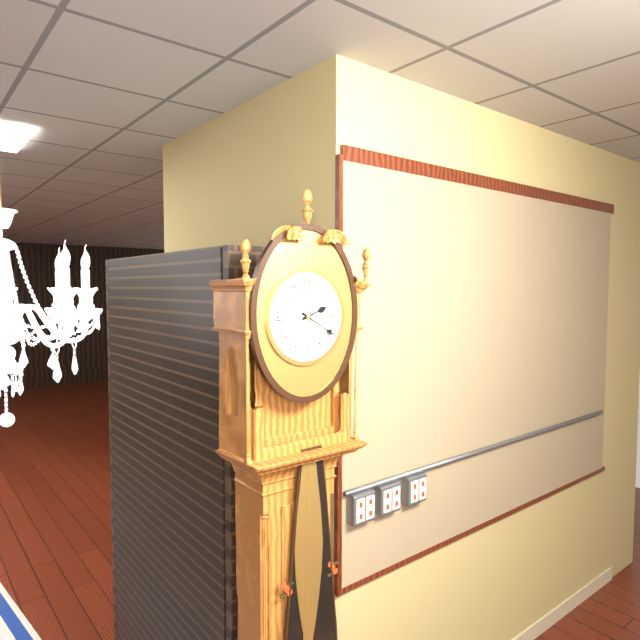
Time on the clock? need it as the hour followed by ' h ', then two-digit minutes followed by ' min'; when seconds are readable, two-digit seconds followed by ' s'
2 h 20 min
